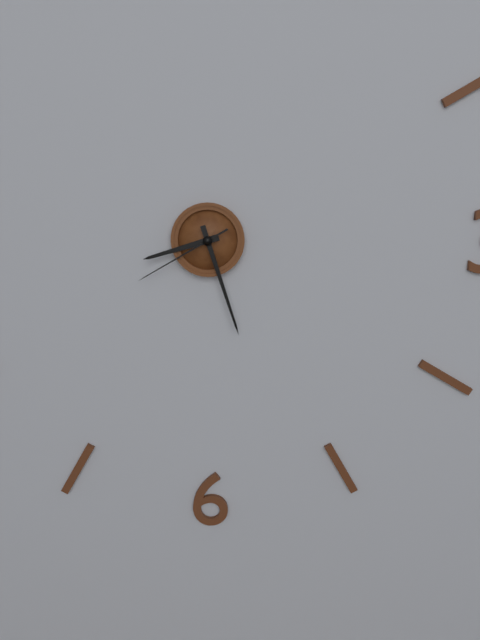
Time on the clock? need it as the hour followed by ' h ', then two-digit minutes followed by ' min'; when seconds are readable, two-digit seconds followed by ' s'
8 h 27 min 40 s
